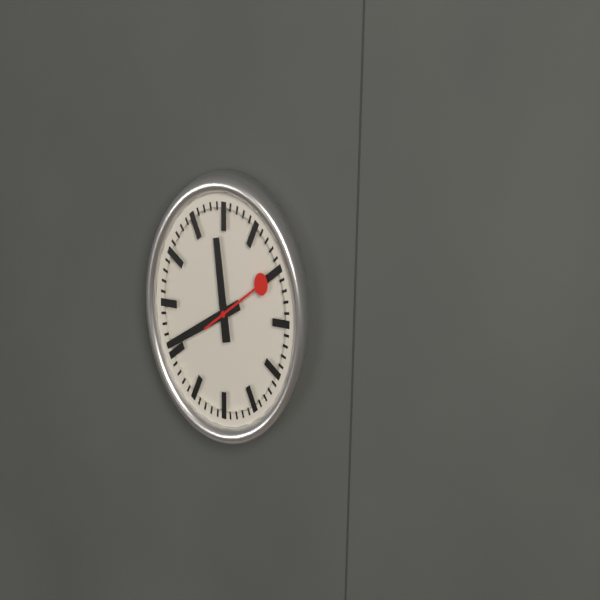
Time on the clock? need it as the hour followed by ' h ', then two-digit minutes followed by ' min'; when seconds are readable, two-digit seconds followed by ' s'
11 h 41 min 10 s
